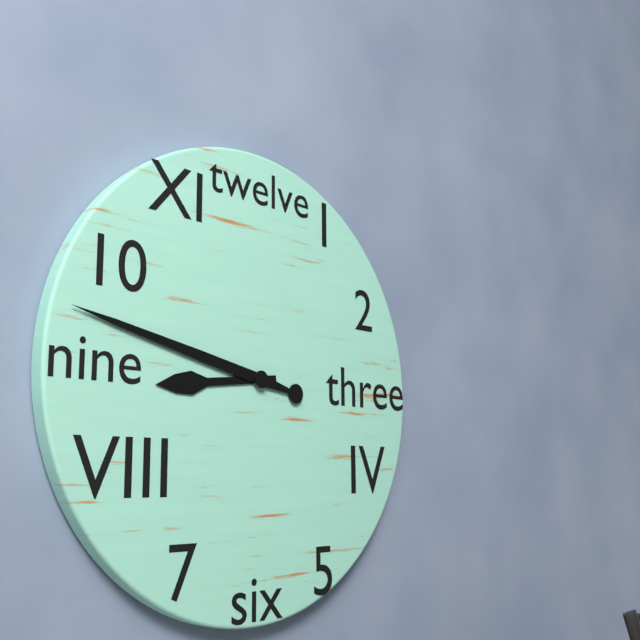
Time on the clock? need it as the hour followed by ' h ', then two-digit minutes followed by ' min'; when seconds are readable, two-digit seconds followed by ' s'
8 h 47 min
